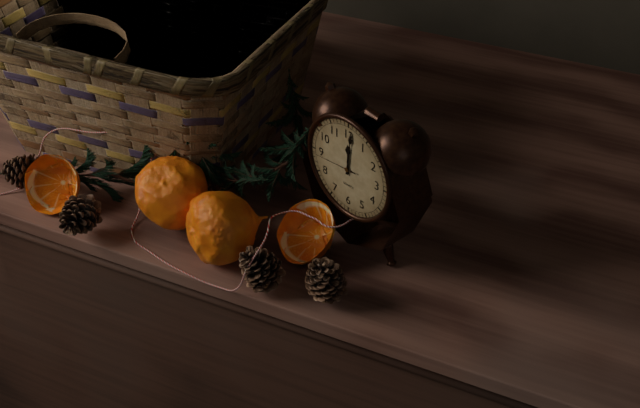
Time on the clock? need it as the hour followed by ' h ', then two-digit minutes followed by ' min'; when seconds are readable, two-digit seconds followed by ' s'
12 h 01 min
